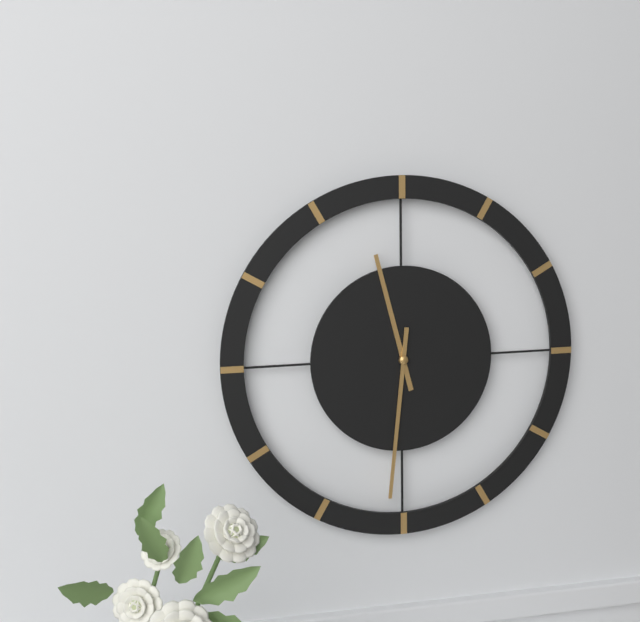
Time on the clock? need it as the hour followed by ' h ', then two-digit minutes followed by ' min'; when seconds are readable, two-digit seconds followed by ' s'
11 h 31 min
